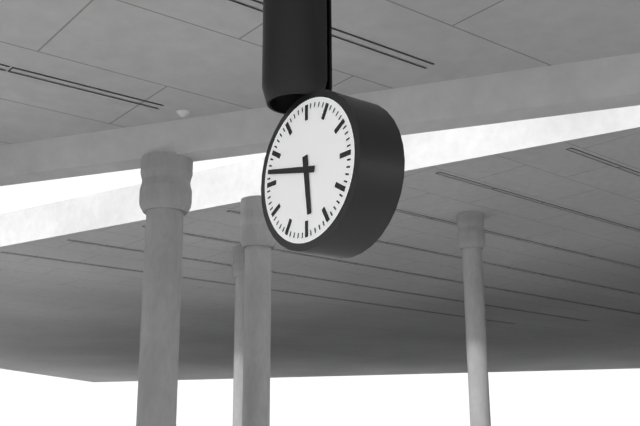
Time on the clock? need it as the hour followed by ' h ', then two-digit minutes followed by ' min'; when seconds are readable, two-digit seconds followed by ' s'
5 h 47 min
